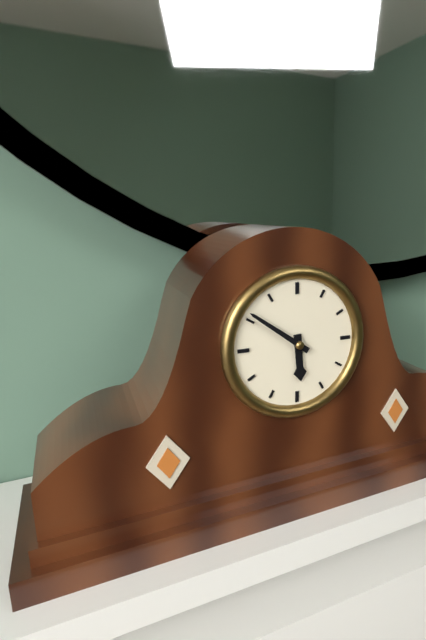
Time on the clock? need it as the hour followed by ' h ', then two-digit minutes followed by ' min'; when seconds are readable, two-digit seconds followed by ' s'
5 h 51 min
